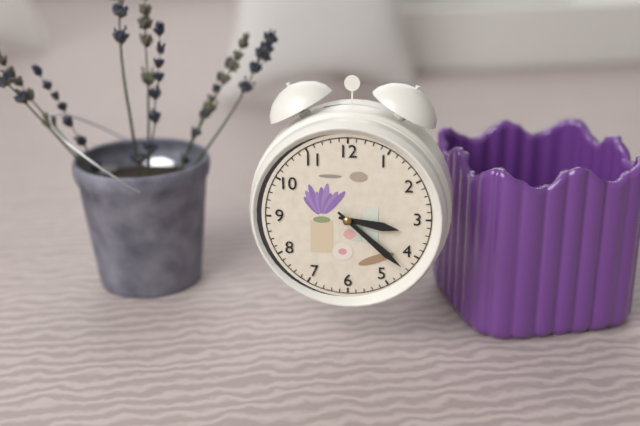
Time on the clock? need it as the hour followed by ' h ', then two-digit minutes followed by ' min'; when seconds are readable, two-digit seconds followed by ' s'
3 h 22 min
